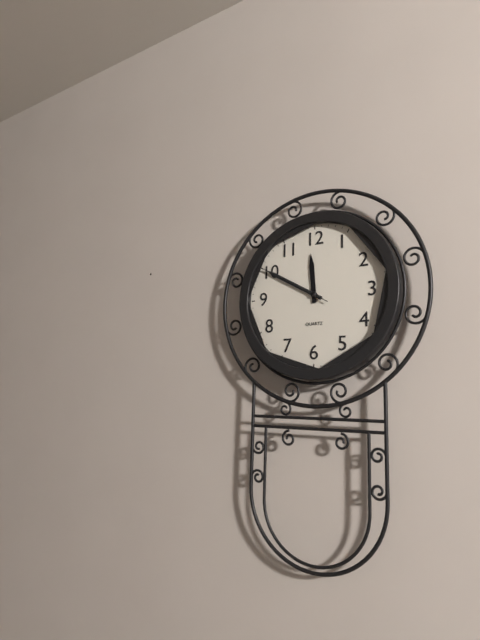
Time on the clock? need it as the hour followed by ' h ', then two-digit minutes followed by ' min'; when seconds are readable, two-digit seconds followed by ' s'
11 h 50 min 50 s
